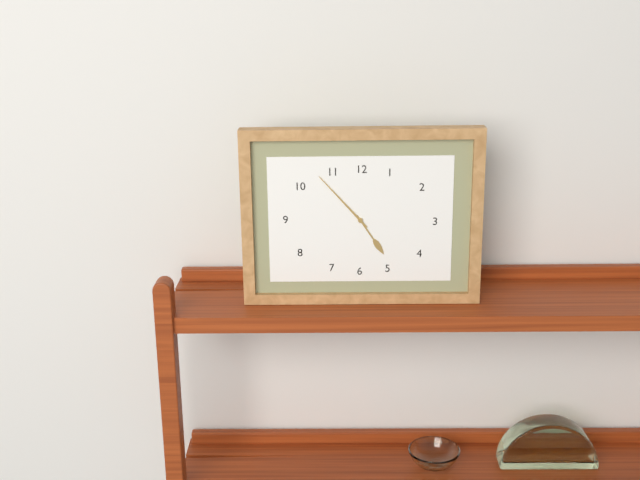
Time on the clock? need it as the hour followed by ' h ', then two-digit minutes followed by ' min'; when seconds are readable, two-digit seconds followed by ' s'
4 h 53 min
